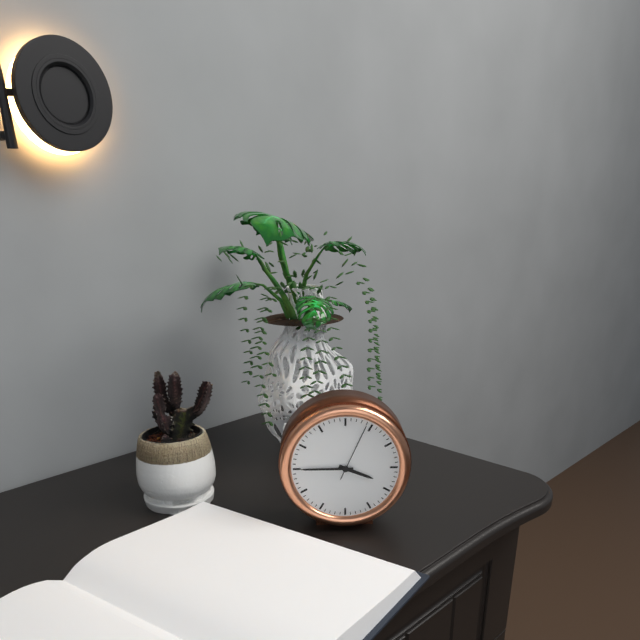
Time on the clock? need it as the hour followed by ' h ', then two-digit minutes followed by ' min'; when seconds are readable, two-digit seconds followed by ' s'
3 h 45 min
